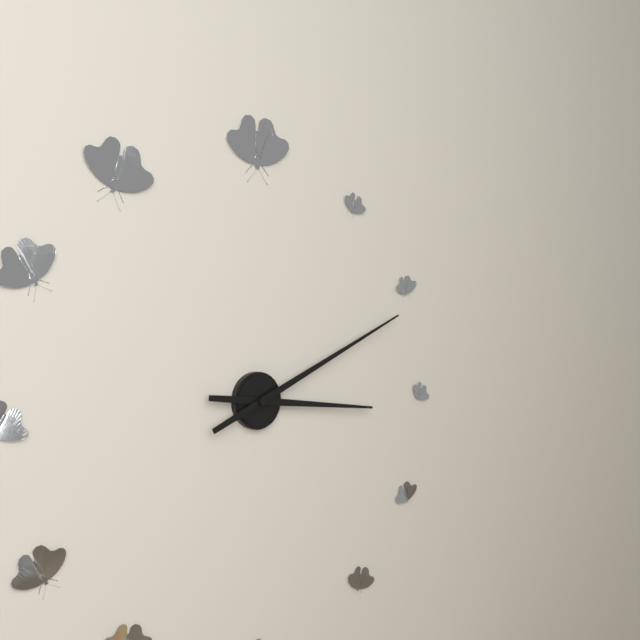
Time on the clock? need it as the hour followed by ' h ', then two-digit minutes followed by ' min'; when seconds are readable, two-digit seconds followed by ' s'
3 h 11 min
